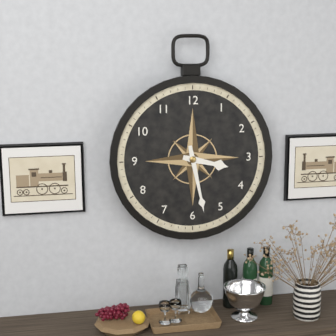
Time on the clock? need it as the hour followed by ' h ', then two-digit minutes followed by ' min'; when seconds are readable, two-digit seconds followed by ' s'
3 h 28 min
